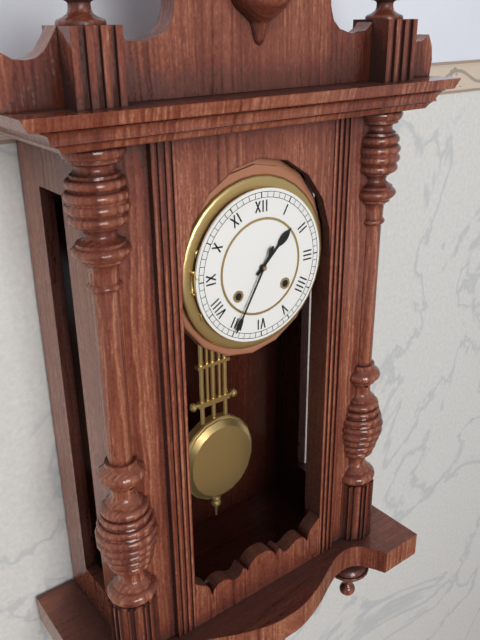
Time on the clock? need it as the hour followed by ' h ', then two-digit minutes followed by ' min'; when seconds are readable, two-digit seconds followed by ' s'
1 h 35 min
